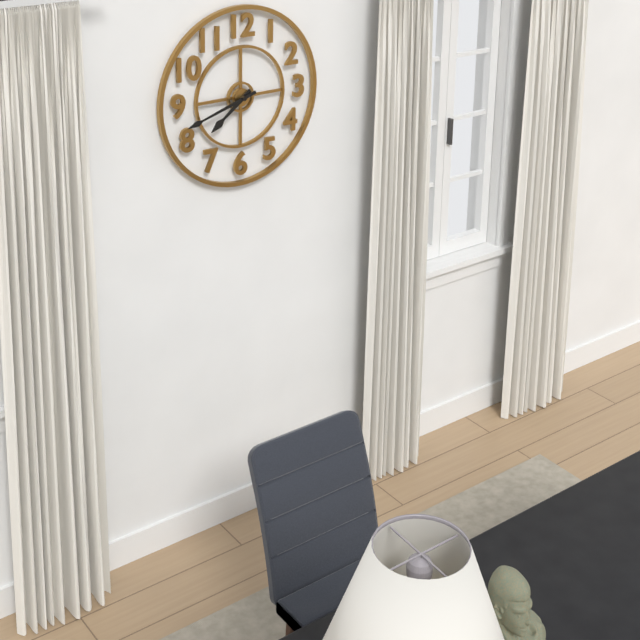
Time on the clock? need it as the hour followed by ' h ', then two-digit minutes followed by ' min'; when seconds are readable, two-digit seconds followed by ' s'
7 h 42 min
